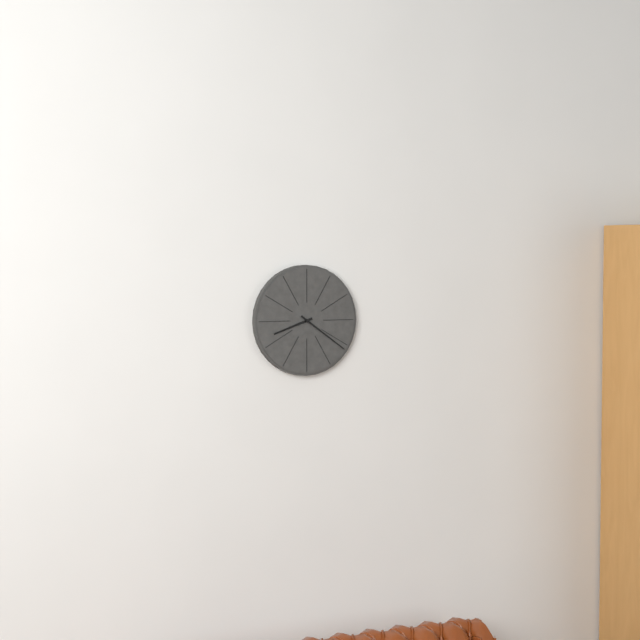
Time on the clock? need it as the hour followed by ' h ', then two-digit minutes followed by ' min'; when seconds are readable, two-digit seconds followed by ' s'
8 h 21 min
